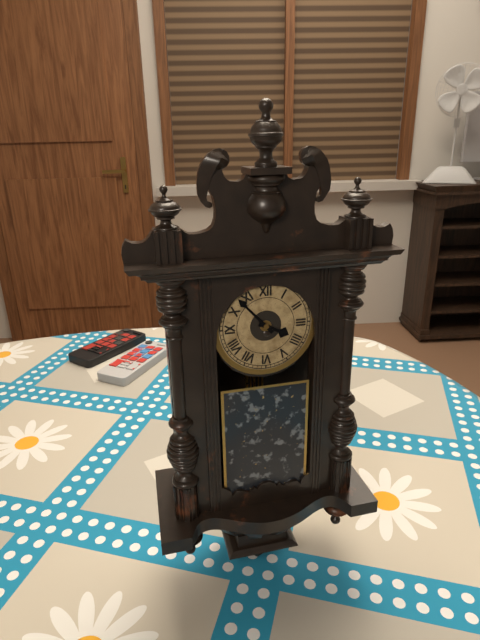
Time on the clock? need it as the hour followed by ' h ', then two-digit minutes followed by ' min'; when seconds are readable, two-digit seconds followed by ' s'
3 h 53 min
